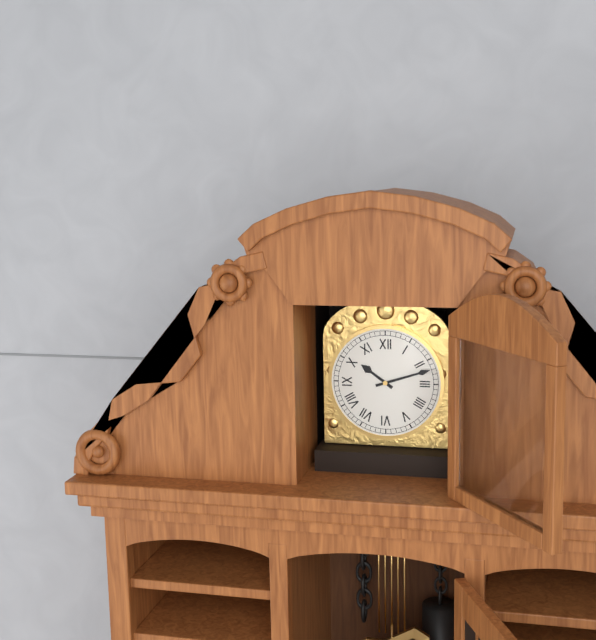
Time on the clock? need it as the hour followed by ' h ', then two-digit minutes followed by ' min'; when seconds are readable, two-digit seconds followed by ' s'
10 h 12 min
